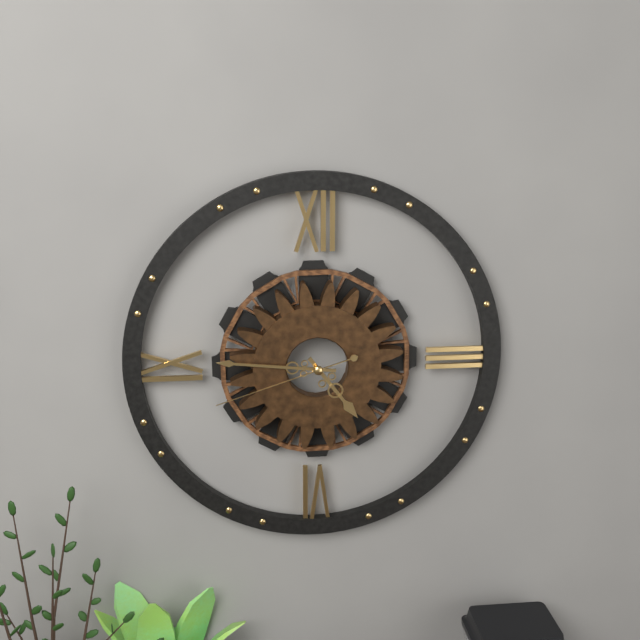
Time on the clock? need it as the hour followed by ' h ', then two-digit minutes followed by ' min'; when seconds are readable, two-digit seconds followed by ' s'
4 h 46 min 42 s
